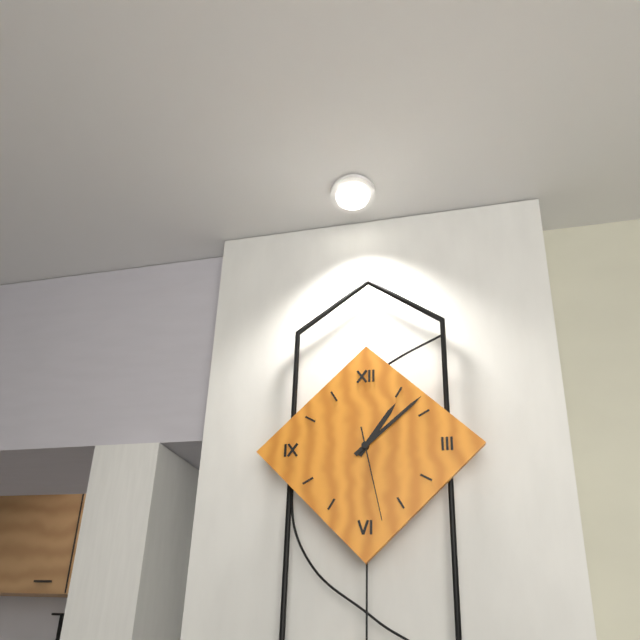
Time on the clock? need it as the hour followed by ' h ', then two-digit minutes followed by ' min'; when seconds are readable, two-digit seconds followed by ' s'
1 h 08 min 28 s
